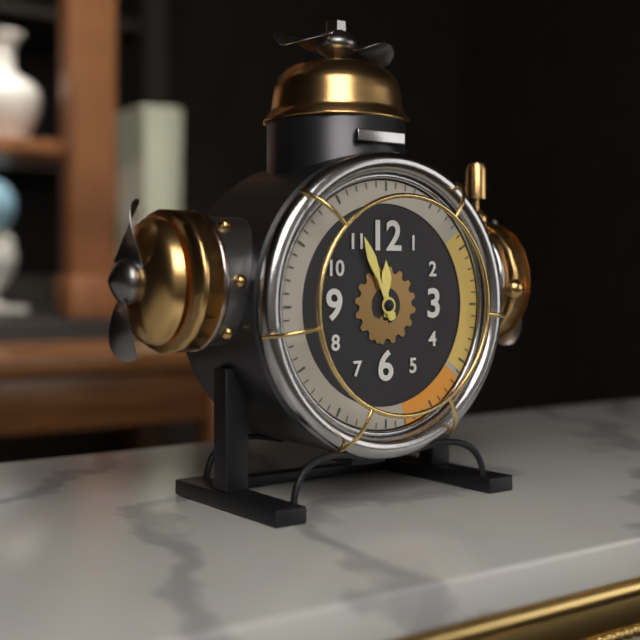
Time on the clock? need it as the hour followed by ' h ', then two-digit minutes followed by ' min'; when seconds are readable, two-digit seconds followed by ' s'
11 h 56 min
